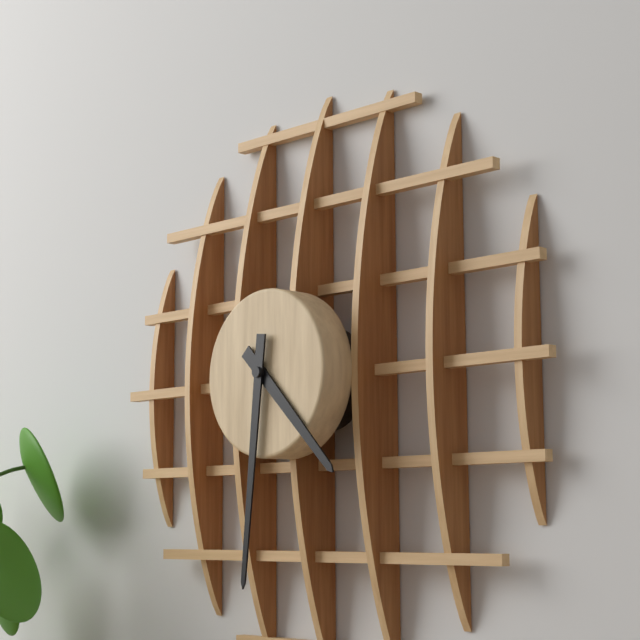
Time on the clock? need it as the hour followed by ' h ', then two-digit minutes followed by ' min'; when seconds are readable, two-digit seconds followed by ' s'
4 h 31 min
